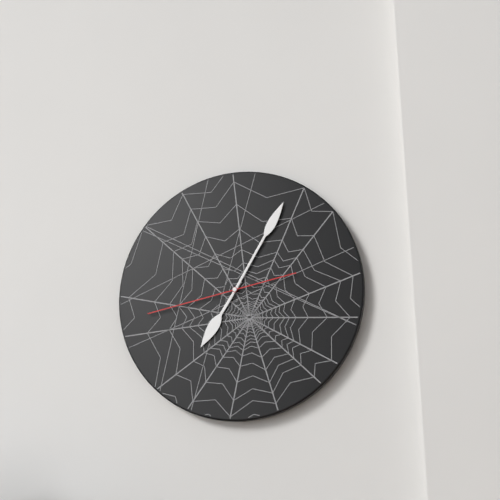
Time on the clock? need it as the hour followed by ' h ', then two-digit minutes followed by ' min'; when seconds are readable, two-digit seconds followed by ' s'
7 h 05 min 43 s
